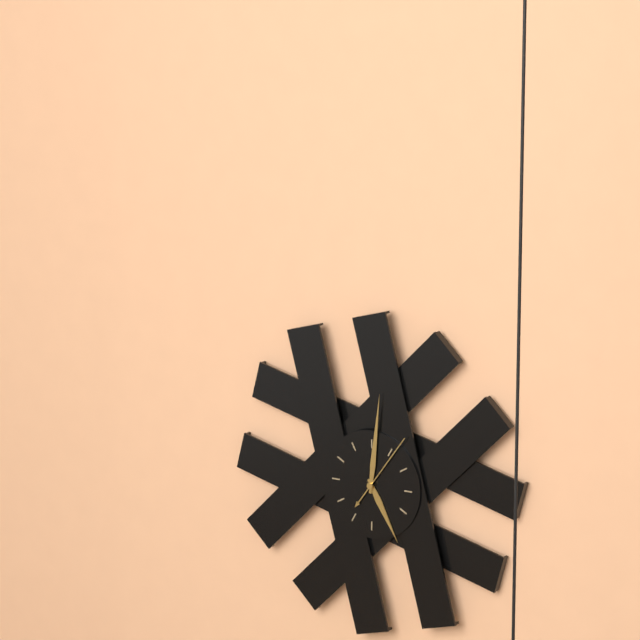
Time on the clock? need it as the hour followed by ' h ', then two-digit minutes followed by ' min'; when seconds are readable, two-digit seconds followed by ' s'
5 h 01 min 06 s
